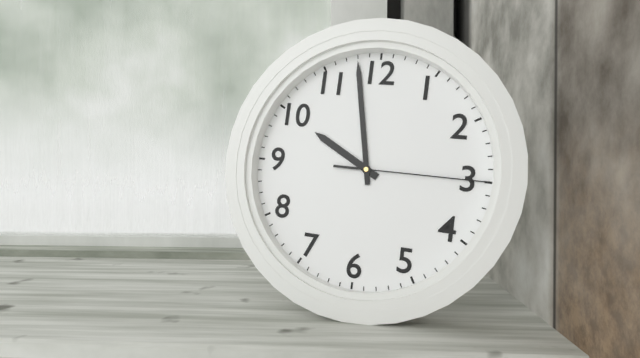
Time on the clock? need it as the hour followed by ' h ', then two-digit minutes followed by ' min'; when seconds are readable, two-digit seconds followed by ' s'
9 h 58 min 15 s
